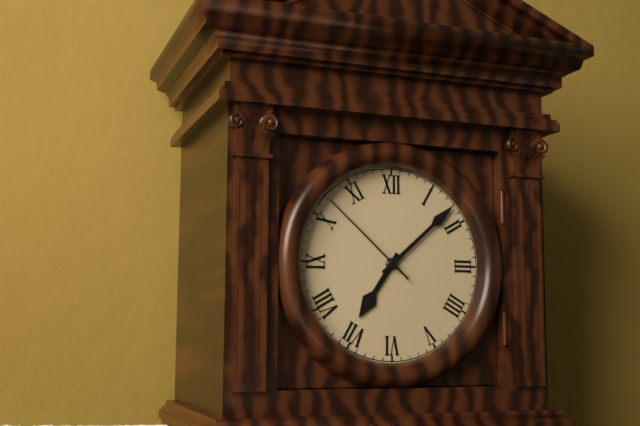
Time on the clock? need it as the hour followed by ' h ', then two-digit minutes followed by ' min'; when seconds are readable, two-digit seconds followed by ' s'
7 h 08 min 52 s
